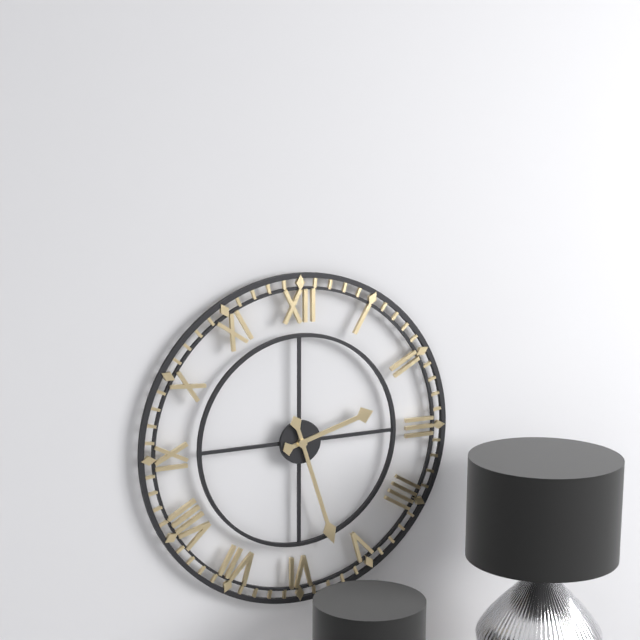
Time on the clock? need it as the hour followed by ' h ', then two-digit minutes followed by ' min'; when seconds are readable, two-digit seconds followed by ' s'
2 h 27 min
